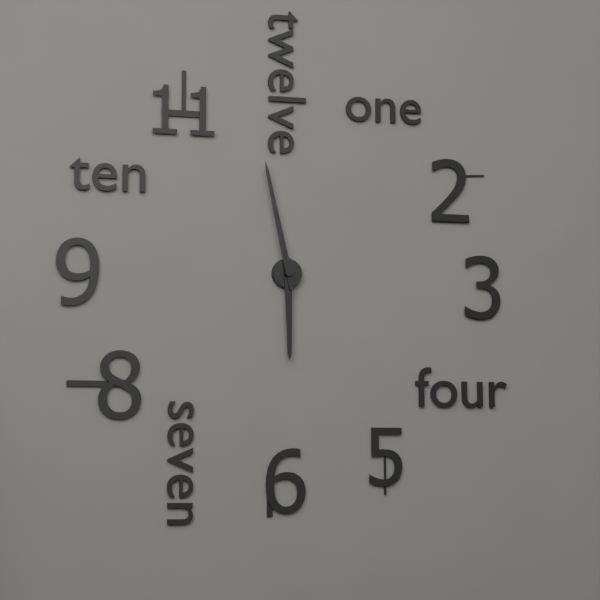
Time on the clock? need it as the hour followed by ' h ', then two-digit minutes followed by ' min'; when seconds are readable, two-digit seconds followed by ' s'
5 h 58 min
